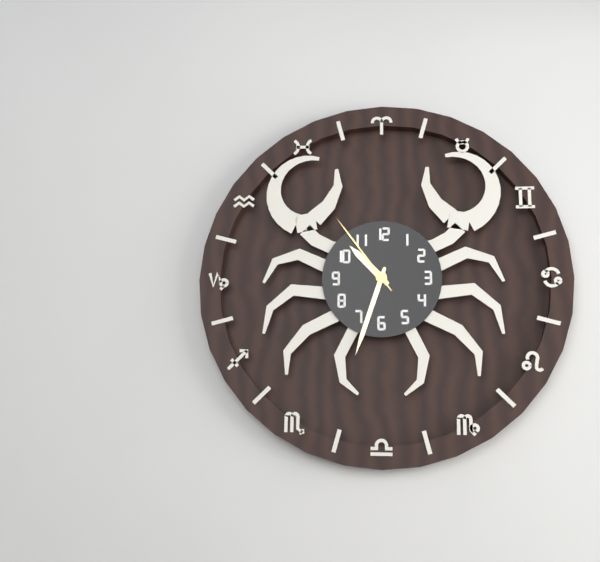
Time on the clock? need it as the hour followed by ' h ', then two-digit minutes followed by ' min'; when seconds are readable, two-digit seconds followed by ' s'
10 h 33 min 54 s
